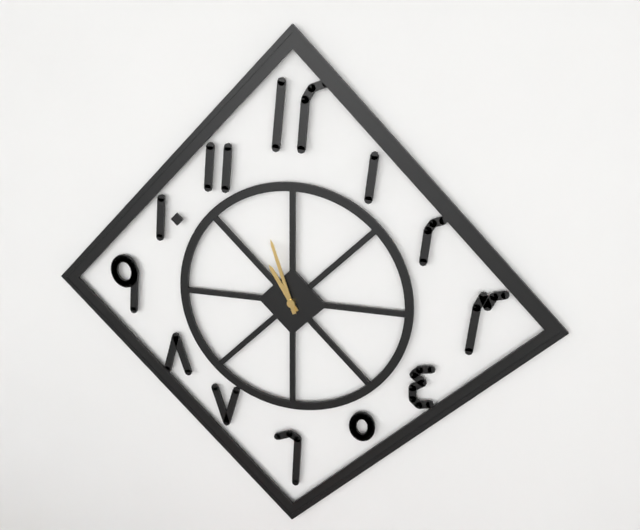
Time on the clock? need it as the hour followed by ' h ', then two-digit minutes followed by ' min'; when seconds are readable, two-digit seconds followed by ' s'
10 h 57 min
